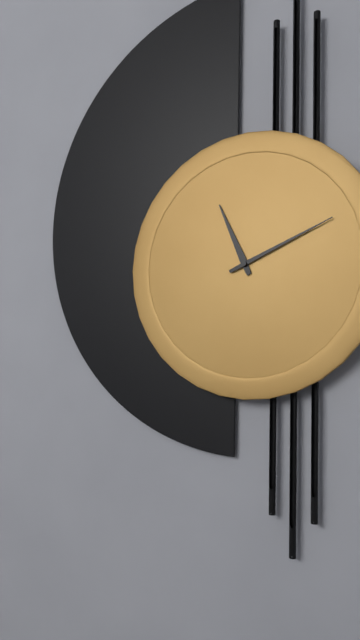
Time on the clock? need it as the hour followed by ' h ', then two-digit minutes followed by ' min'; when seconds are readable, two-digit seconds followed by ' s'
11 h 11 min
